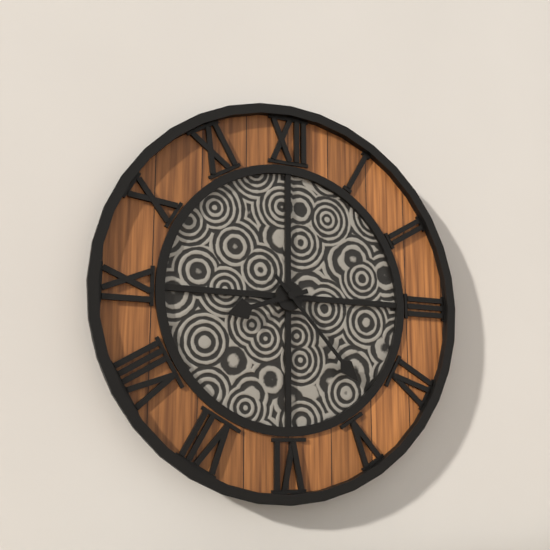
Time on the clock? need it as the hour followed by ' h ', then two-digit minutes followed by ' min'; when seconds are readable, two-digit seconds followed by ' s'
8 h 23 min
